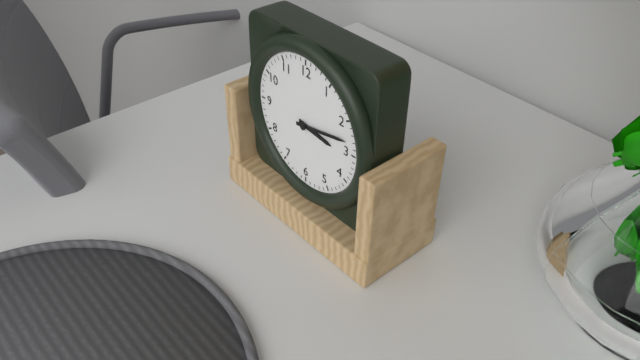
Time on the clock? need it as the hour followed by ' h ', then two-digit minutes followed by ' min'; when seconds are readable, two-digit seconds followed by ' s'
3 h 13 min
